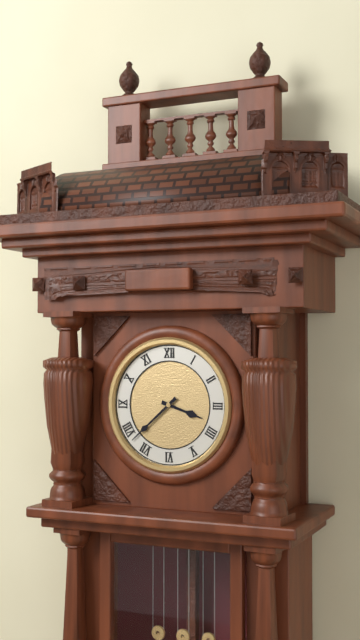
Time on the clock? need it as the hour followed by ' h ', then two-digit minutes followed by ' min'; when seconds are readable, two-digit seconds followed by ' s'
3 h 38 min
